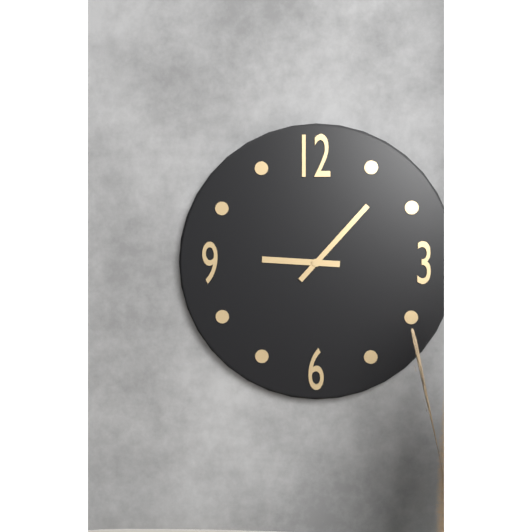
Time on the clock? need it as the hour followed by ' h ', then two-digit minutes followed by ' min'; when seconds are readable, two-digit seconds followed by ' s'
9 h 07 min
